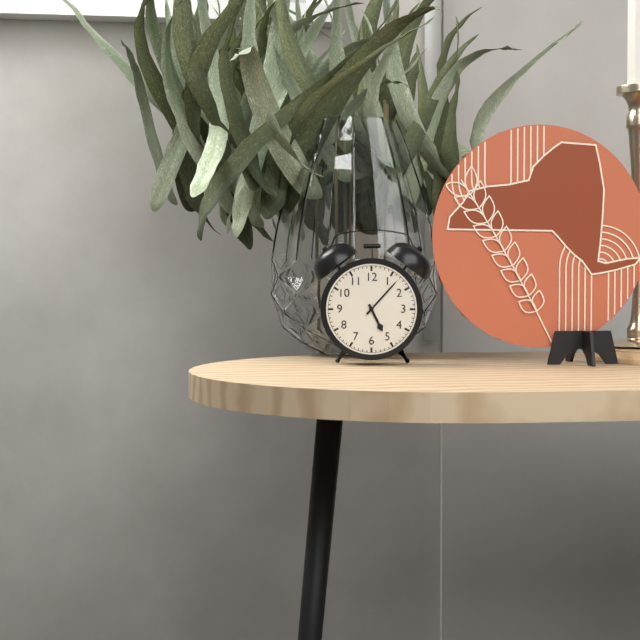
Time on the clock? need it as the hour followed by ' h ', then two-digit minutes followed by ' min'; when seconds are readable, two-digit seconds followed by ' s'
5 h 07 min
